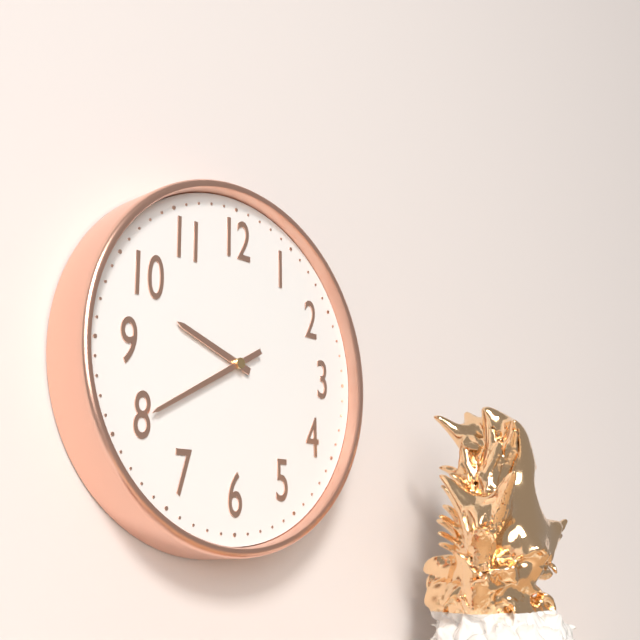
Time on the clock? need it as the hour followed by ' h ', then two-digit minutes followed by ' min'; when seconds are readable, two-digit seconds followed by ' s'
9 h 40 min
